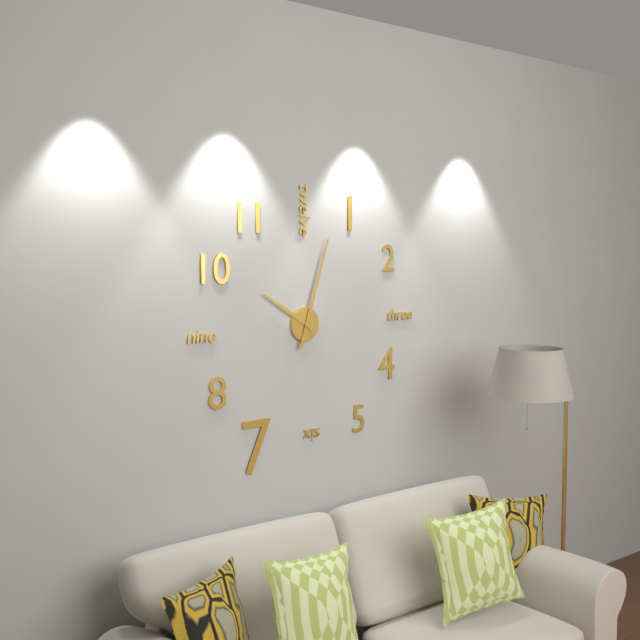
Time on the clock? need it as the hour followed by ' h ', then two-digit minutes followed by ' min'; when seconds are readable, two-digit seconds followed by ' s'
10 h 03 min
